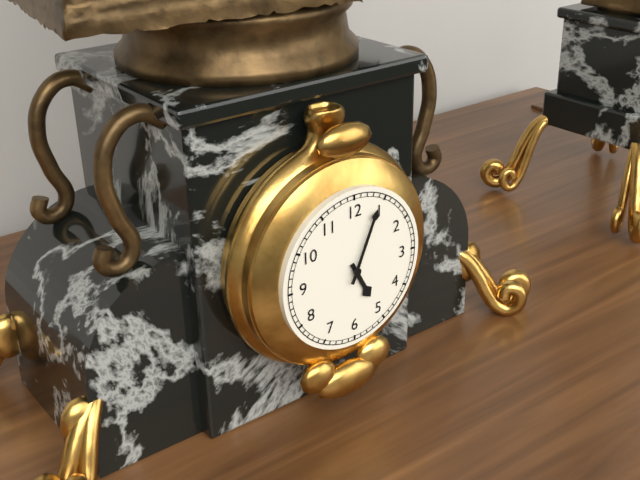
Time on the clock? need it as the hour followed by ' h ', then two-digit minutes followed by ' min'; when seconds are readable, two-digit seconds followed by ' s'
5 h 04 min
